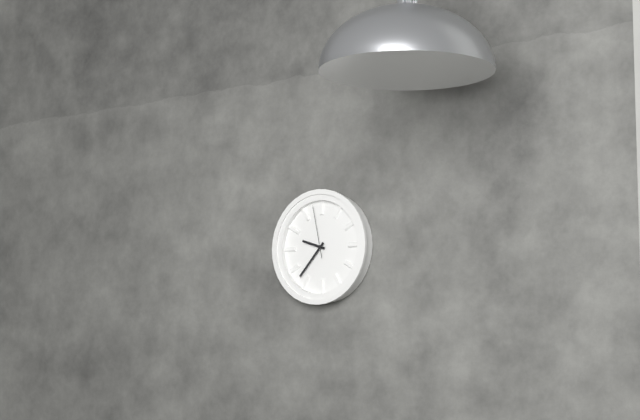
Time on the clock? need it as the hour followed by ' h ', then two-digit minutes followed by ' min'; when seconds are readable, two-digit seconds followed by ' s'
9 h 37 min 58 s
